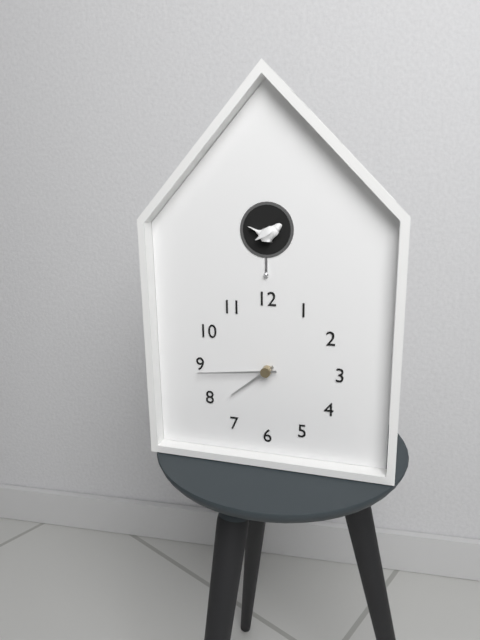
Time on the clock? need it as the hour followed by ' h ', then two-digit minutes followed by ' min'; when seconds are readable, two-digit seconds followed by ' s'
7 h 44 min
